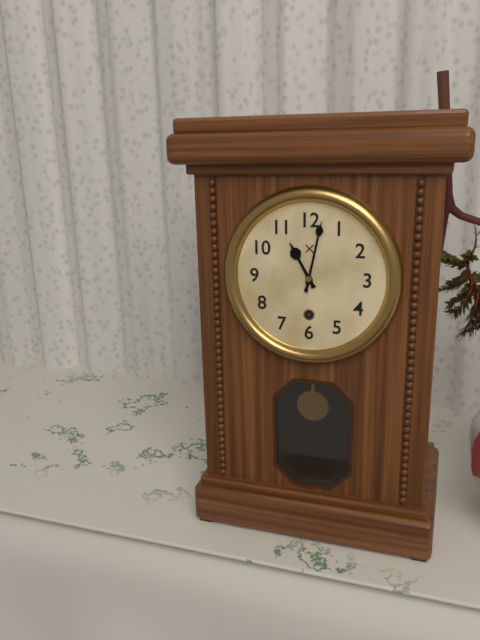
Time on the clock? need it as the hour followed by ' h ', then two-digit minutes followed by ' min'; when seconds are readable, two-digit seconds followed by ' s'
11 h 02 min
